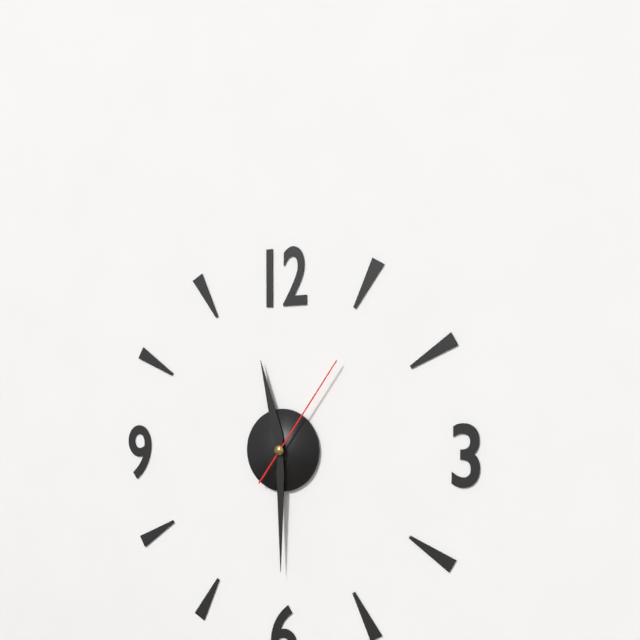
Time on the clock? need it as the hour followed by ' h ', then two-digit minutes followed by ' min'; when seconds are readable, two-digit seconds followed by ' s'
11 h 30 min 06 s
